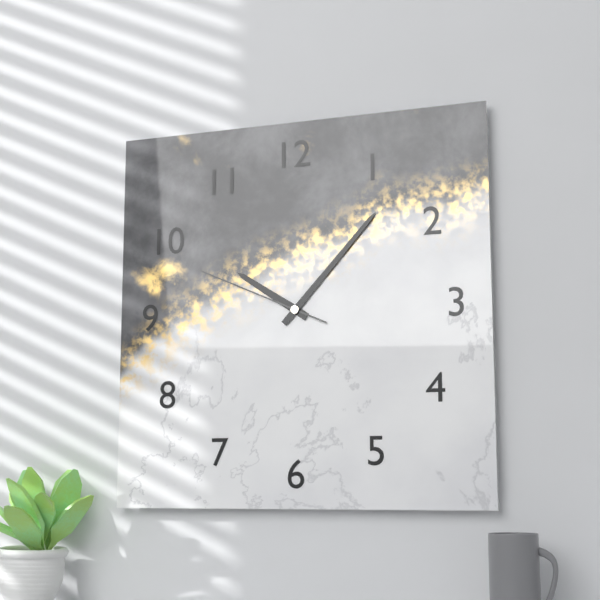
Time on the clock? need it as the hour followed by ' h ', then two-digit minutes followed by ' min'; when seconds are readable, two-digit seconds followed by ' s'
10 h 07 min 49 s
